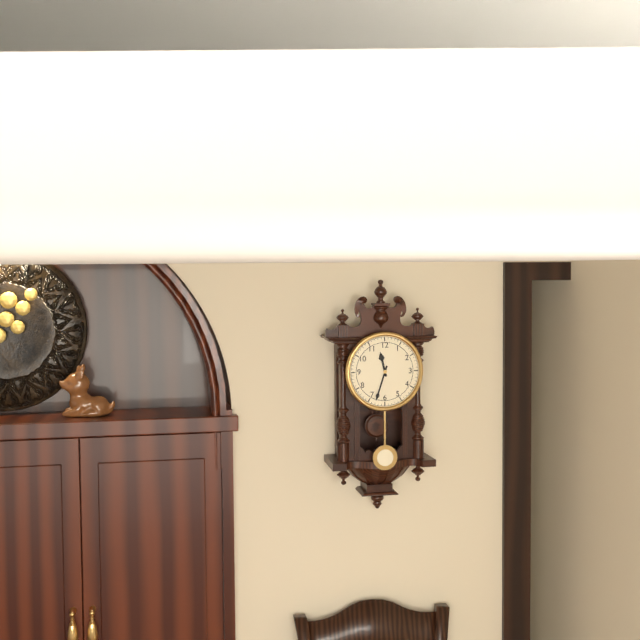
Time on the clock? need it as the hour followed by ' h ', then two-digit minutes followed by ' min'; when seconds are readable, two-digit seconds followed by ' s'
11 h 33 min
